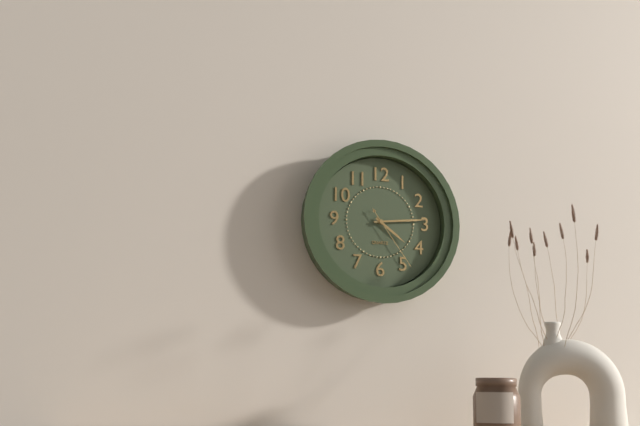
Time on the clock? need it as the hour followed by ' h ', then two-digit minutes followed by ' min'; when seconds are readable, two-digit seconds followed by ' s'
4 h 14 min 24 s
